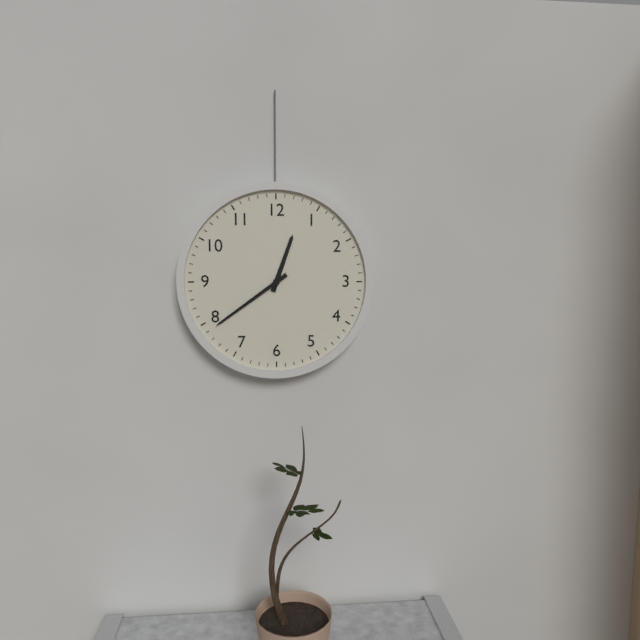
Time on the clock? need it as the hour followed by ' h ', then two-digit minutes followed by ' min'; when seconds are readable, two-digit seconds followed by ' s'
12 h 39 min
